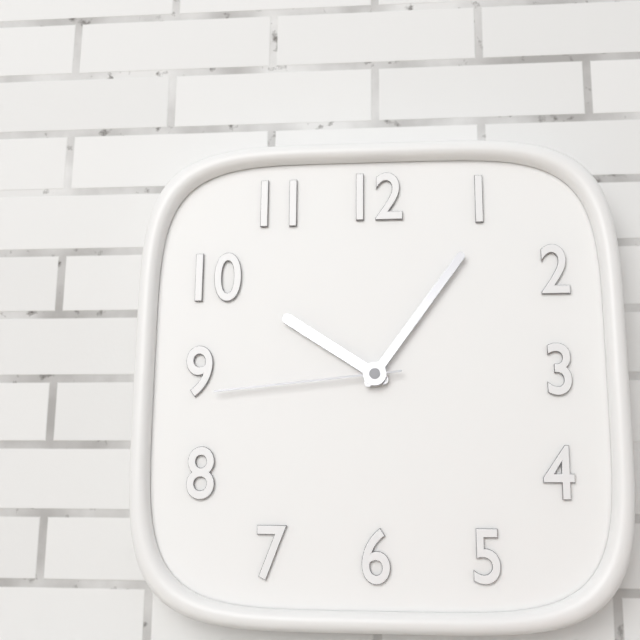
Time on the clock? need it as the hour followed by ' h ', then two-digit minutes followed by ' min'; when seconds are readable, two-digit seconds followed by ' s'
10 h 06 min 44 s
